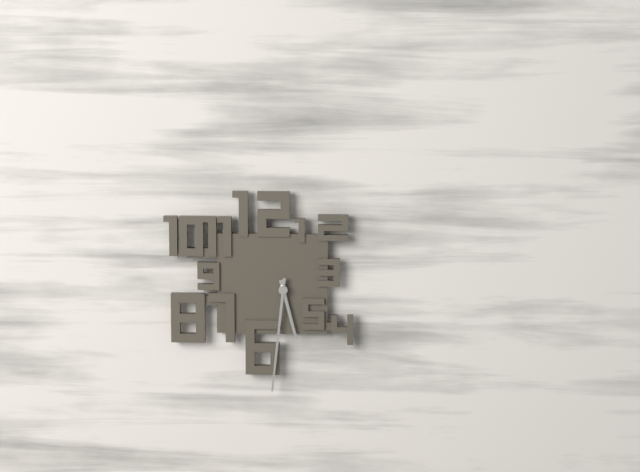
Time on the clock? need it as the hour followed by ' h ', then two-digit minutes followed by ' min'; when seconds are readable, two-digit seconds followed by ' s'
5 h 31 min
